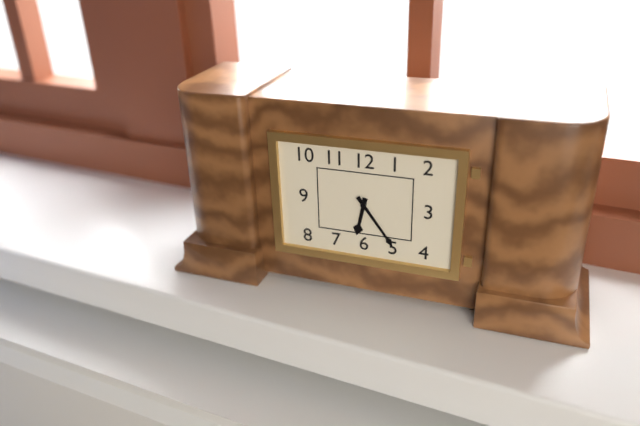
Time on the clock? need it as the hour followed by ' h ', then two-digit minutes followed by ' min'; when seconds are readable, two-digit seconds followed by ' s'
6 h 24 min
